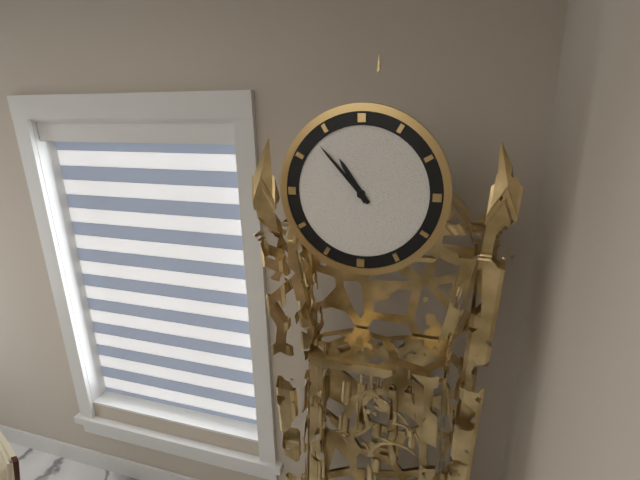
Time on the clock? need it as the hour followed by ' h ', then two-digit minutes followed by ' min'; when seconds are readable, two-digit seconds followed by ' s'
10 h 53 min
